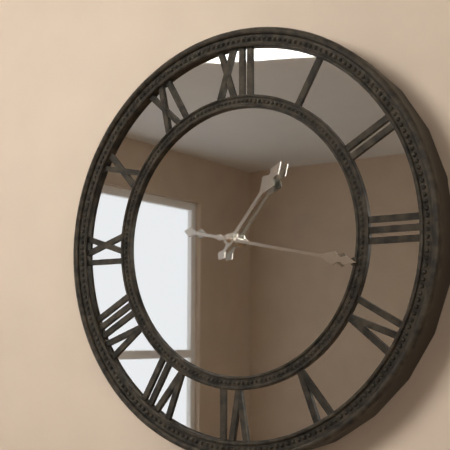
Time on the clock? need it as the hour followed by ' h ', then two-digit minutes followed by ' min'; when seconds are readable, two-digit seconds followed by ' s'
1 h 17 min
